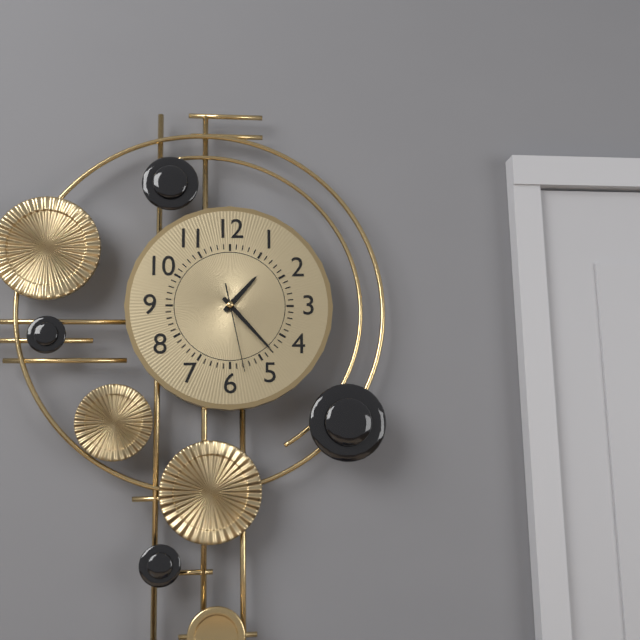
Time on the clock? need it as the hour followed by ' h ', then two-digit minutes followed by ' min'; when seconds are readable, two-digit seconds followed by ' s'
1 h 23 min 28 s
